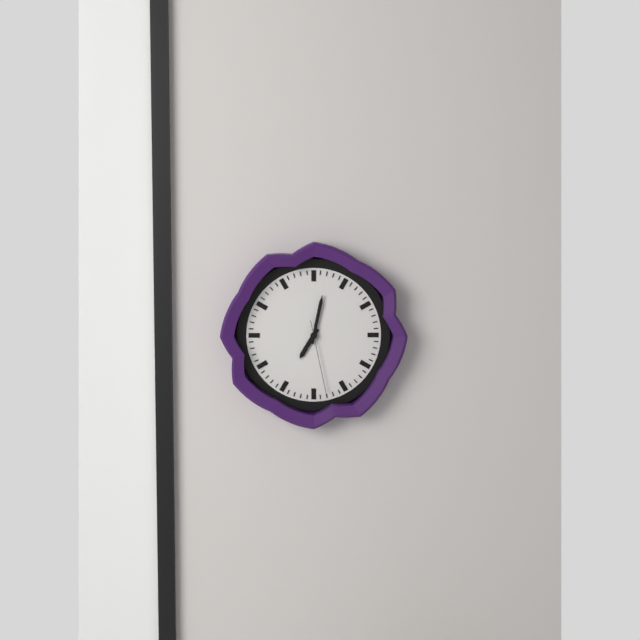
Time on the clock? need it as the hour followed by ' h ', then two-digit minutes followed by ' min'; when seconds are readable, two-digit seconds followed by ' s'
7 h 02 min 28 s
